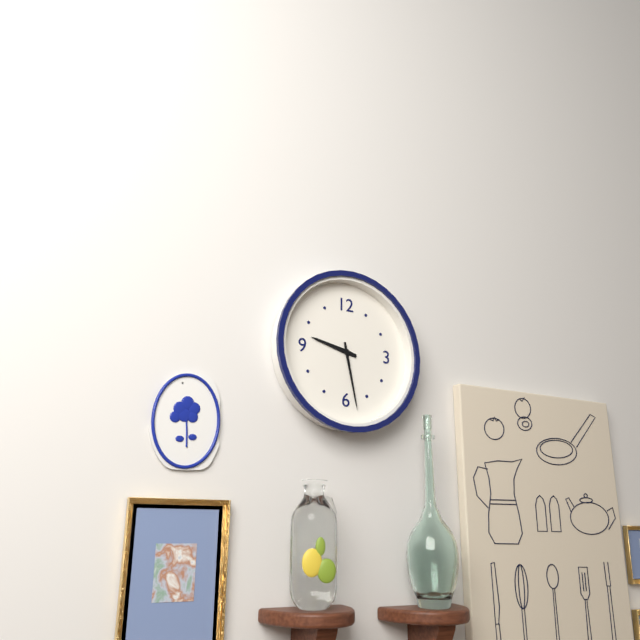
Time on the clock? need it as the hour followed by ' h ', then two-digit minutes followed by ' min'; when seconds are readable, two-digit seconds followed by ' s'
9 h 28 min
